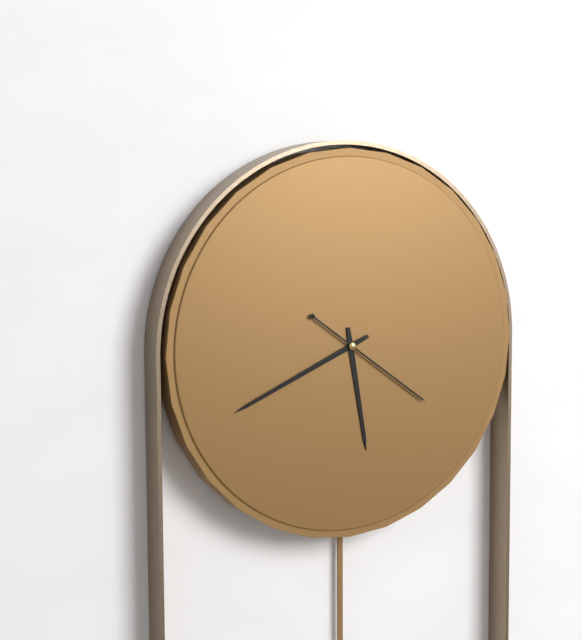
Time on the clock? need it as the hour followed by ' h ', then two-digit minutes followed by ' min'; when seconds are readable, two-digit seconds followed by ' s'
5 h 41 min 21 s
